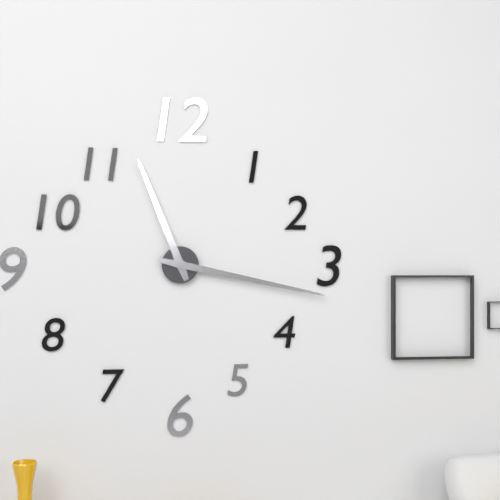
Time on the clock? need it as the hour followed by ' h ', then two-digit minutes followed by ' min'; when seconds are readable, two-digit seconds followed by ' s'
11 h 17 min
